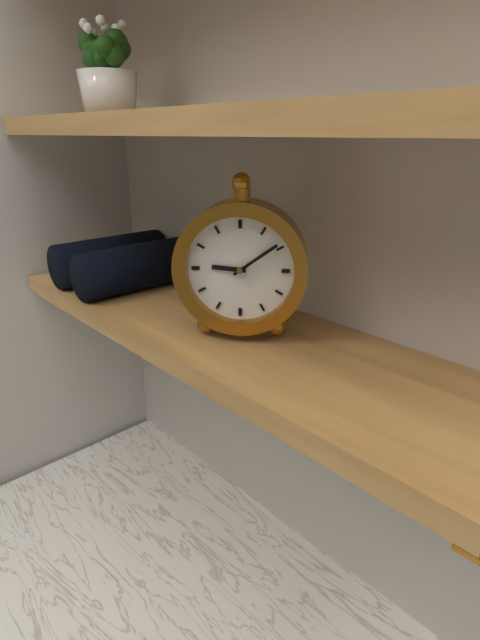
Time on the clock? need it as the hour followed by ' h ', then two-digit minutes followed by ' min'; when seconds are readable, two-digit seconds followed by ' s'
9 h 09 min
